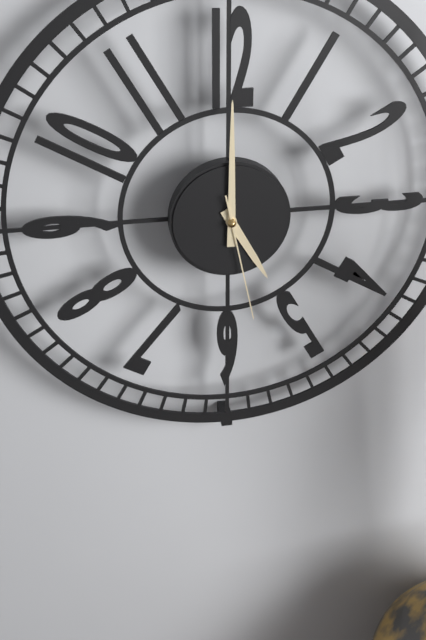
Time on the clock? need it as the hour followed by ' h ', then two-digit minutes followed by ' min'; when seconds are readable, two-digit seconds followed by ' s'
5 h 00 min 28 s
